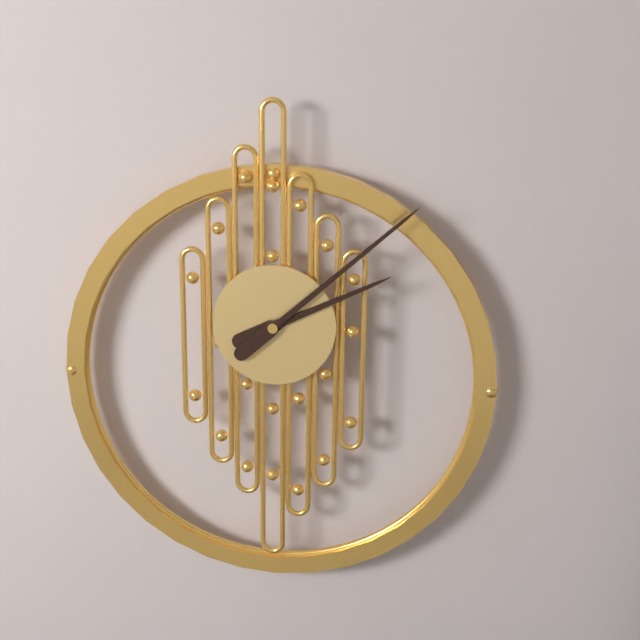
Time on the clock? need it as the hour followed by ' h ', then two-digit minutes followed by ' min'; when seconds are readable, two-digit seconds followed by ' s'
2 h 08 min
